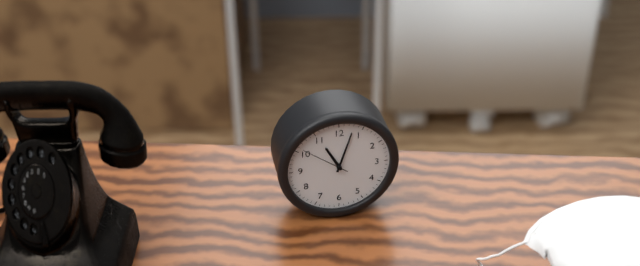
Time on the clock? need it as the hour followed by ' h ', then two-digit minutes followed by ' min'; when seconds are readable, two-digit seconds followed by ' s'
11 h 03 min
